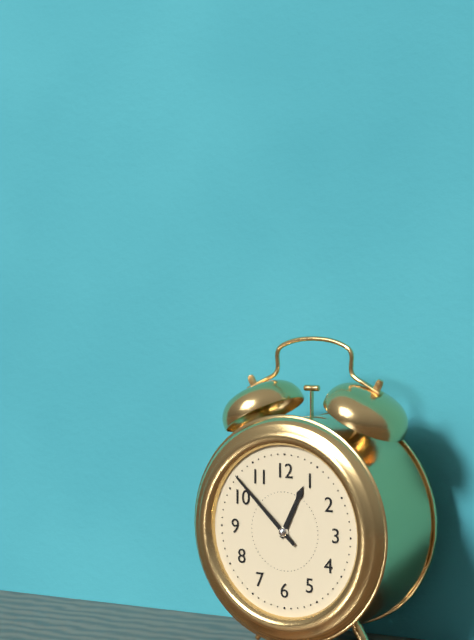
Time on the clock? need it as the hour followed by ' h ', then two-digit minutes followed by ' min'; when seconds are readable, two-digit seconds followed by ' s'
12 h 52 min
